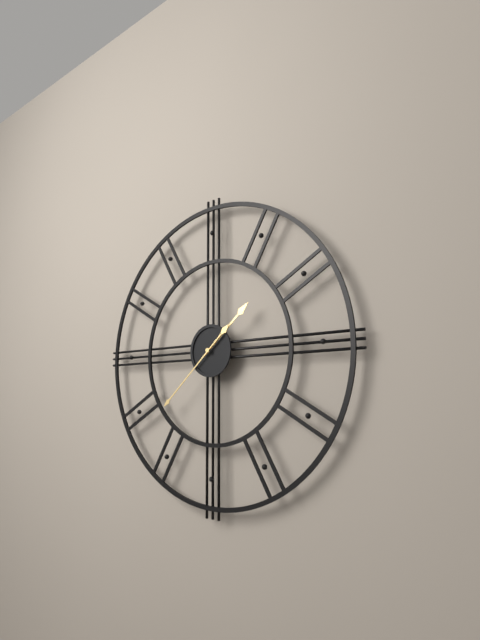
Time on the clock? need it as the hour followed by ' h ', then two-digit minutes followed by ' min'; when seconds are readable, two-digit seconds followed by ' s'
1 h 38 min
